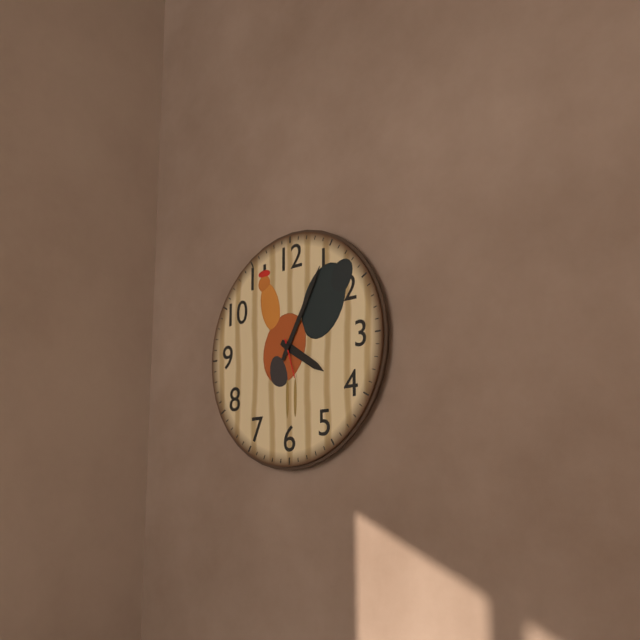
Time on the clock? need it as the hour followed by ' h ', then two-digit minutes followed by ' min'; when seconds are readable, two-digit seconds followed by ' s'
4 h 05 min
